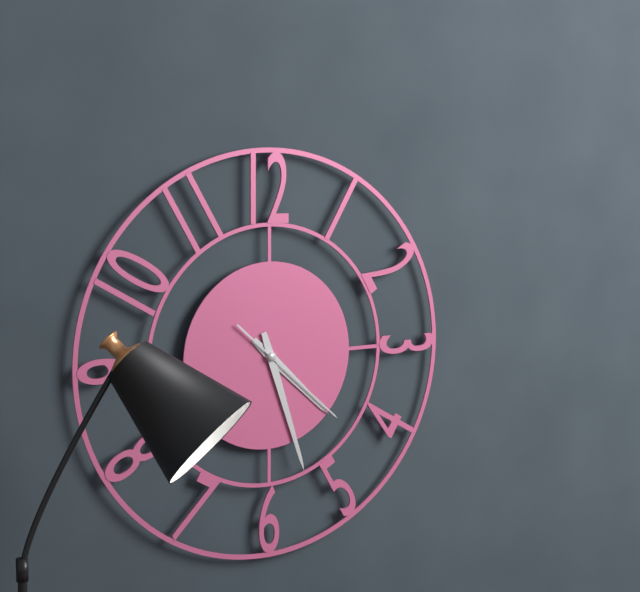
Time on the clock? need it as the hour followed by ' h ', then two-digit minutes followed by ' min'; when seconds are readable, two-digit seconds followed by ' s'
4 h 27 min 22 s
